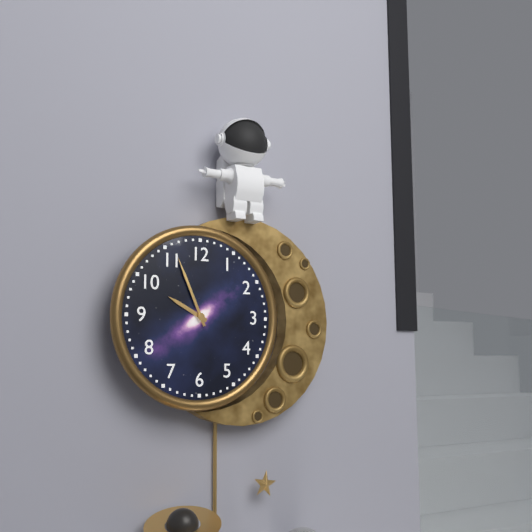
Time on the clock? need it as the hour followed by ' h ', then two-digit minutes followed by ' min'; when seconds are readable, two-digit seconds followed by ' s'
9 h 56 min
